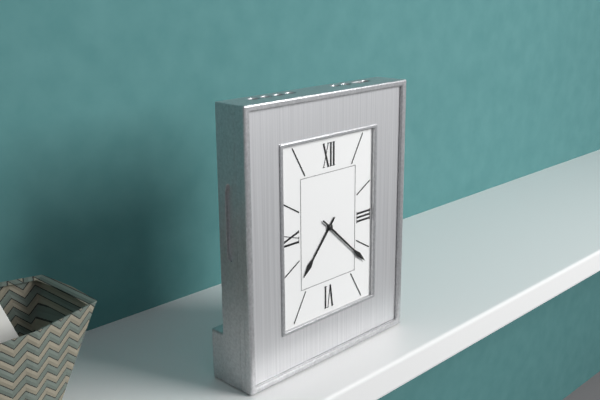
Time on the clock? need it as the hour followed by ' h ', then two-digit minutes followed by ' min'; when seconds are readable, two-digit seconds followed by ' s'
7 h 22 min
